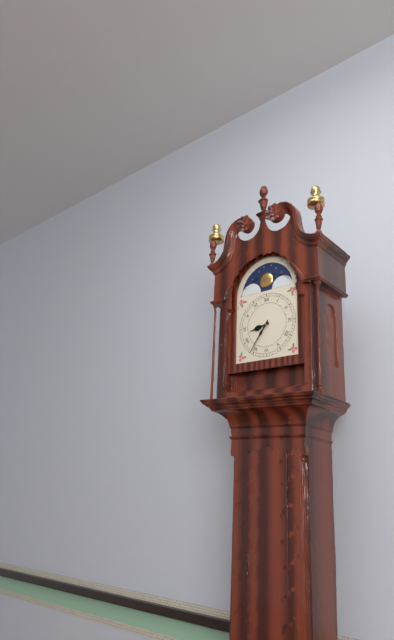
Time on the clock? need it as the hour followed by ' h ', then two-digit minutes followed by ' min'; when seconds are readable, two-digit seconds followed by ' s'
8 h 36 min
